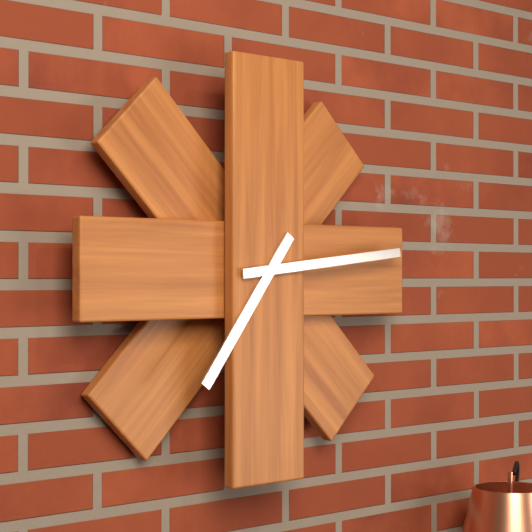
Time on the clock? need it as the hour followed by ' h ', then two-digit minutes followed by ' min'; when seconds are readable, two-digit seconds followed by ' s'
7 h 14 min
